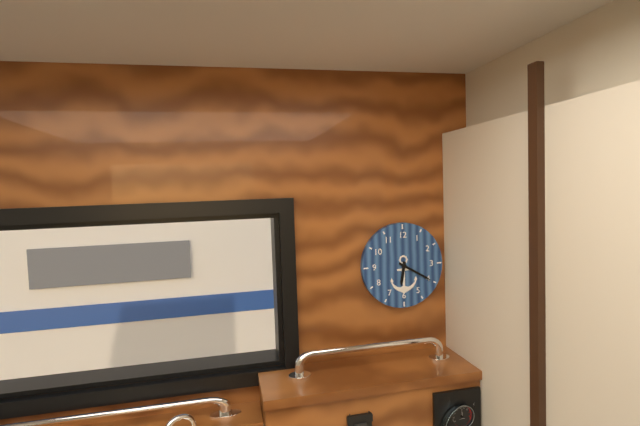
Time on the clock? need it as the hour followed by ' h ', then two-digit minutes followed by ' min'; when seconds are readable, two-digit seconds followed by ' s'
6 h 20 min
